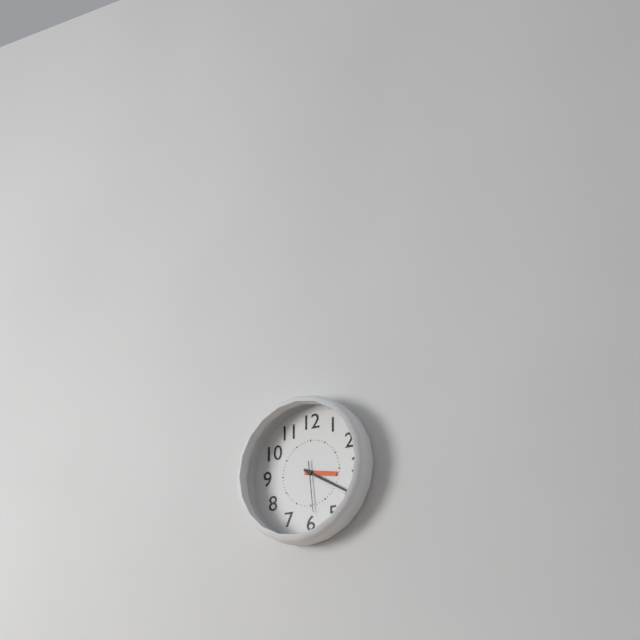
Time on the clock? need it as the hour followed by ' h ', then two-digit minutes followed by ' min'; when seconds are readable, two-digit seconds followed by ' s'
3 h 20 min
